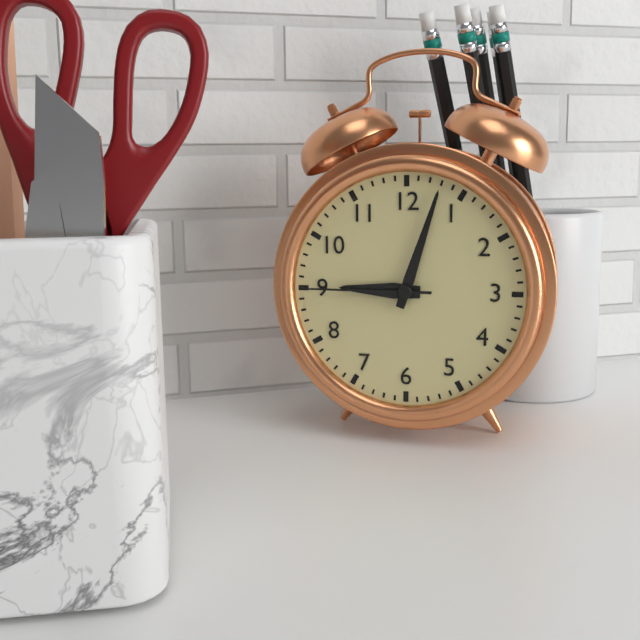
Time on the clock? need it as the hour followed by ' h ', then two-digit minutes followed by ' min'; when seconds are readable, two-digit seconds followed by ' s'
9 h 03 min 45 s
